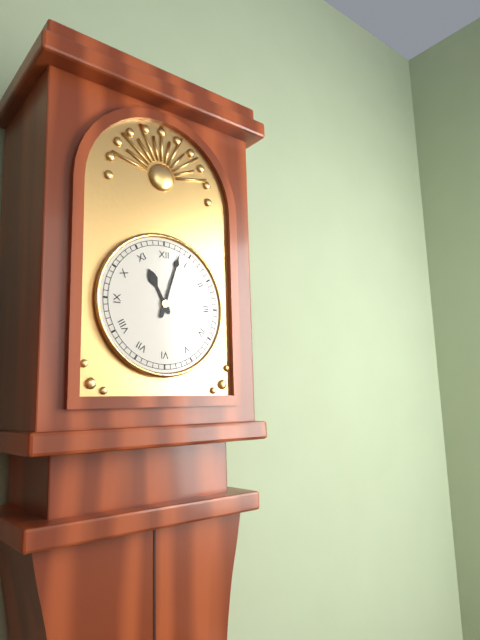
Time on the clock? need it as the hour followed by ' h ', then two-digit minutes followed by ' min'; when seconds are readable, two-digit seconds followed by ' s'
11 h 03 min
